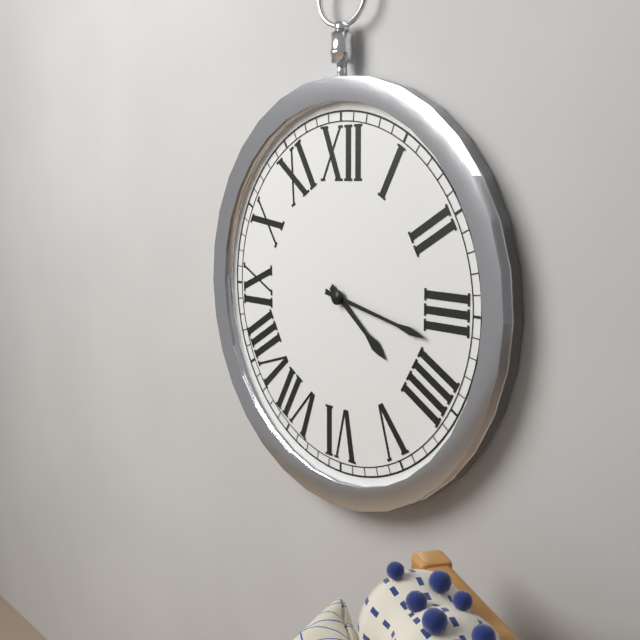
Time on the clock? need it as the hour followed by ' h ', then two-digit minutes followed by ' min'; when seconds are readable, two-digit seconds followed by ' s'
4 h 17 min
